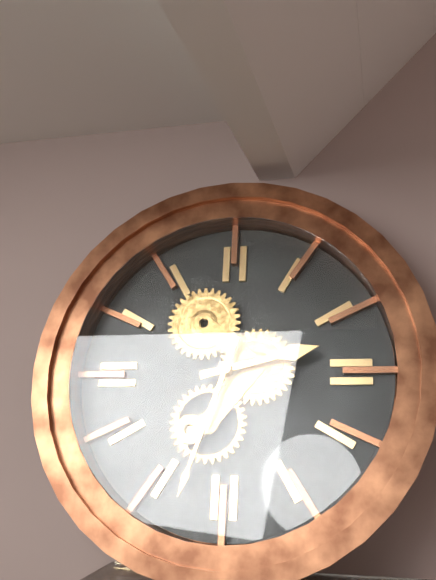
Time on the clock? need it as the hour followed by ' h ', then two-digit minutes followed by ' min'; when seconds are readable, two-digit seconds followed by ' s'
2 h 33 min
